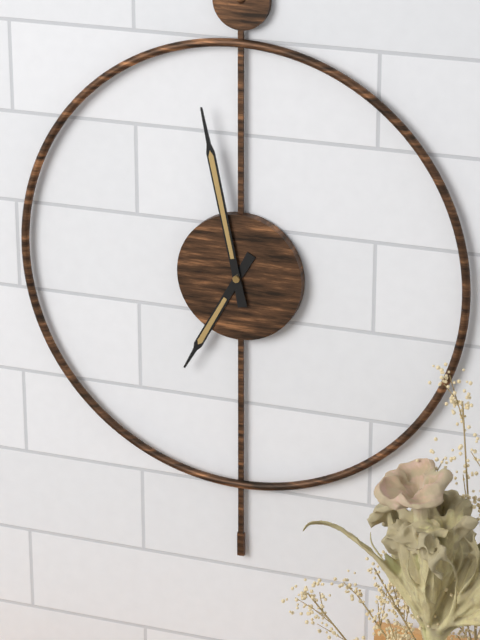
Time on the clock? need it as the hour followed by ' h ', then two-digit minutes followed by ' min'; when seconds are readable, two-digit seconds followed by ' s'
6 h 58 min
